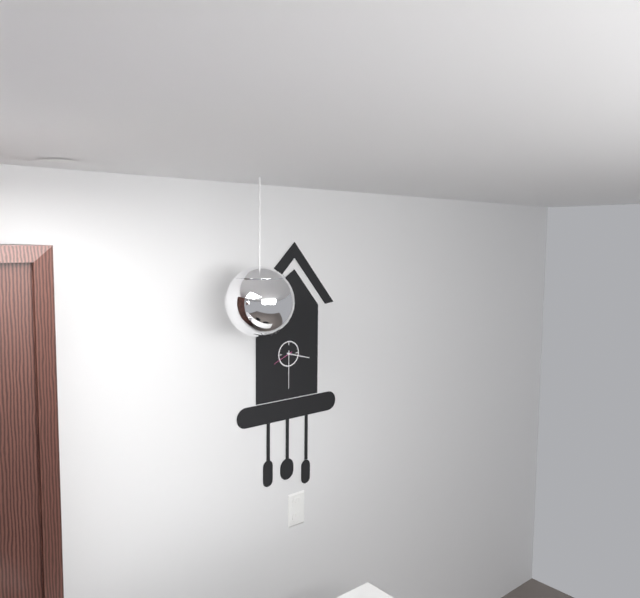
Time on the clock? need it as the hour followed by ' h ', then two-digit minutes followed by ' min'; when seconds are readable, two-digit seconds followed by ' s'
3 h 30 min
